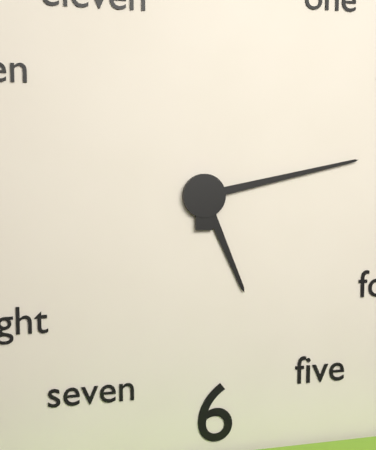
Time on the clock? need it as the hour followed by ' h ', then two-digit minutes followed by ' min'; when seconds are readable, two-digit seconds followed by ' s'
5 h 13 min
